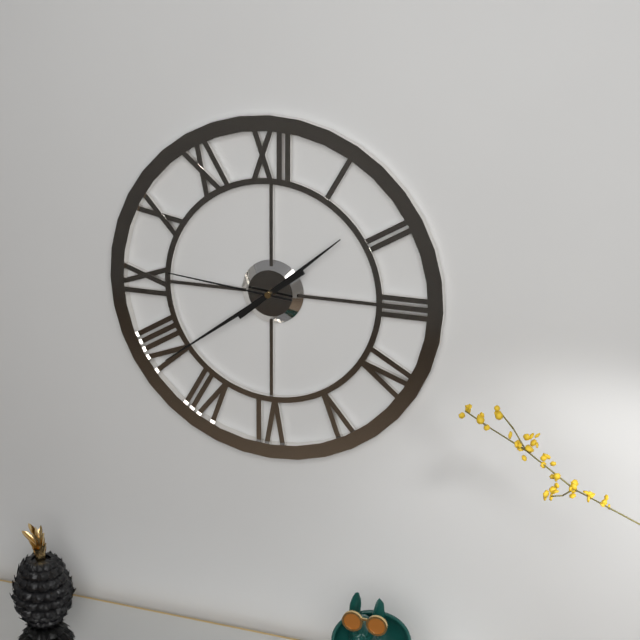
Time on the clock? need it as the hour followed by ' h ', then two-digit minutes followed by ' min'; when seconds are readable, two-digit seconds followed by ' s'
1 h 39 min 46 s
